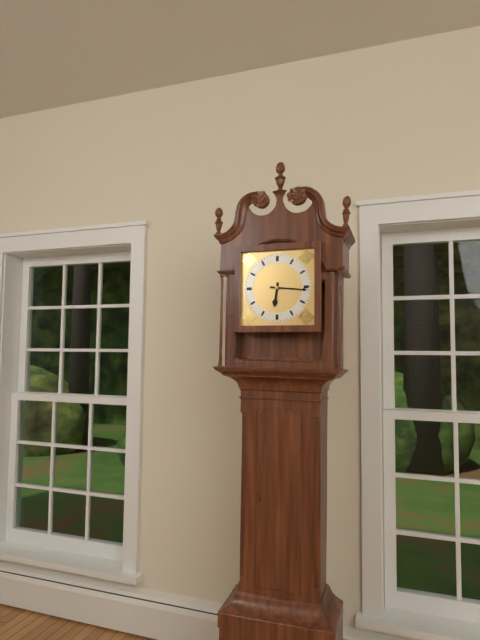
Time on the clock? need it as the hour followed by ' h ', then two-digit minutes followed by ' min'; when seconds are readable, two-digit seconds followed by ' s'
6 h 16 min
